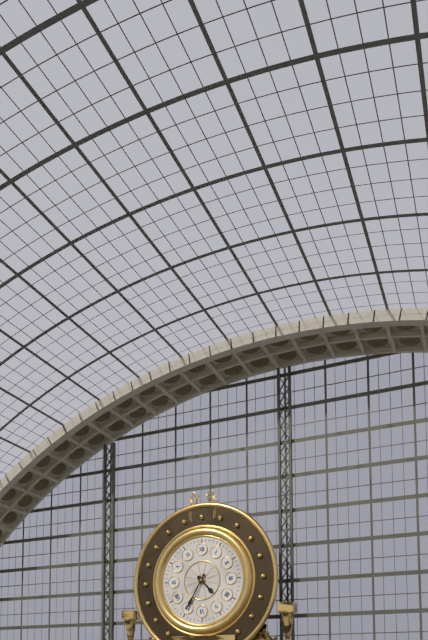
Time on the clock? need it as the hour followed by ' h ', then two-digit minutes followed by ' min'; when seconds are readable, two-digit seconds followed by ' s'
4 h 35 min
